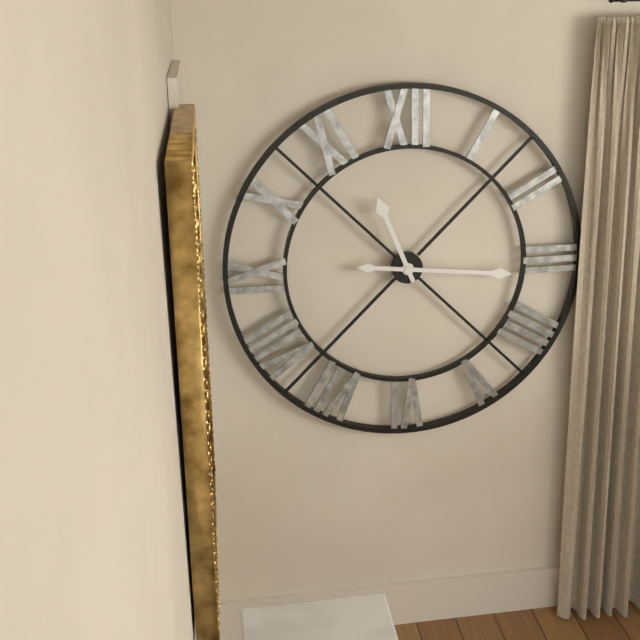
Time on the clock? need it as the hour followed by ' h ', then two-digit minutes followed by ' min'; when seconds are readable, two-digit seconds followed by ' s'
11 h 16 min
